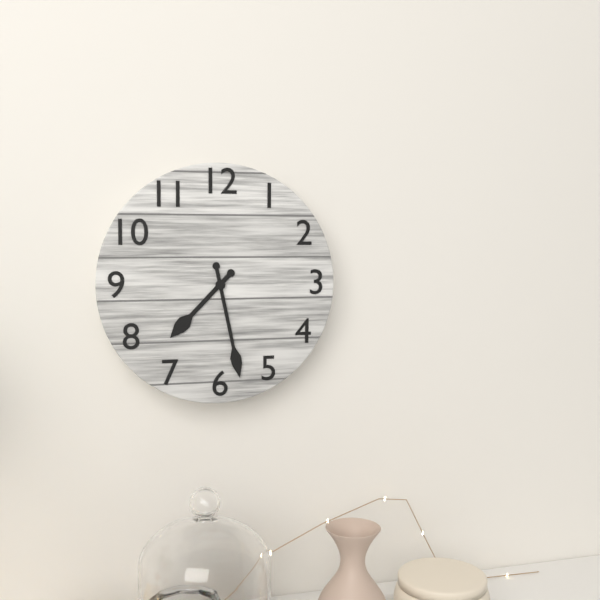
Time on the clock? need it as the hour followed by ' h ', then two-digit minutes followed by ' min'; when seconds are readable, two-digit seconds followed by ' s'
7 h 28 min
